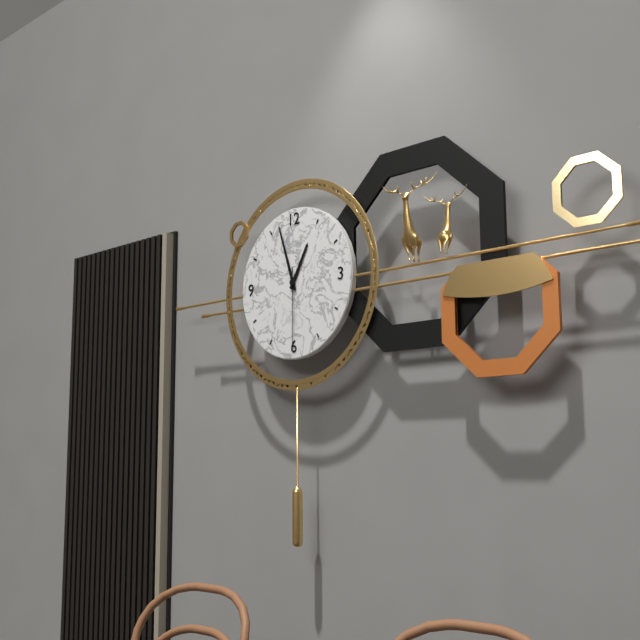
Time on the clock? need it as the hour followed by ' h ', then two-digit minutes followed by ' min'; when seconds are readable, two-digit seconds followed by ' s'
12 h 57 min 30 s
